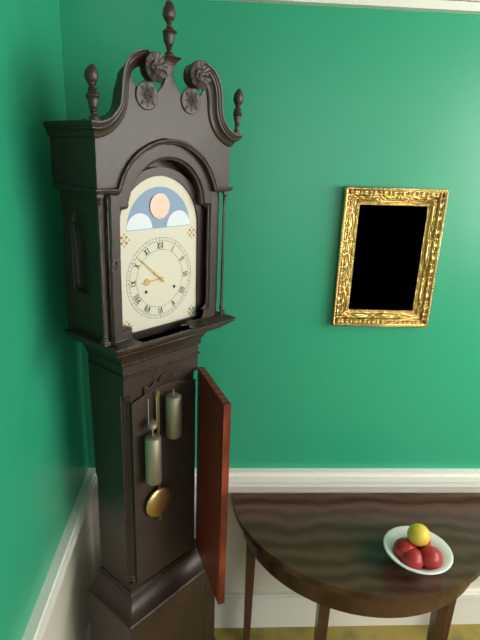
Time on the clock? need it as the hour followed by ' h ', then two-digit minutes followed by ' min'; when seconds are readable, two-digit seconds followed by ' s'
8 h 52 min
